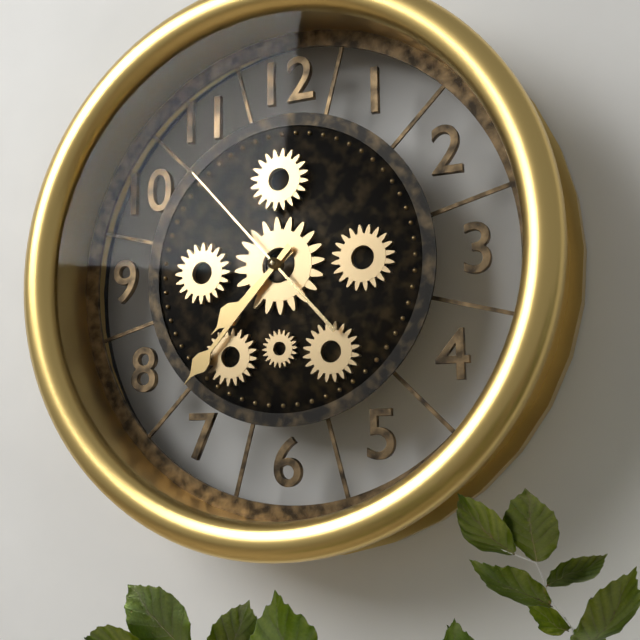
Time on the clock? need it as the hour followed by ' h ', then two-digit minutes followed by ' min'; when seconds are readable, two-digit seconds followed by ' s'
7 h 37 min 53 s
